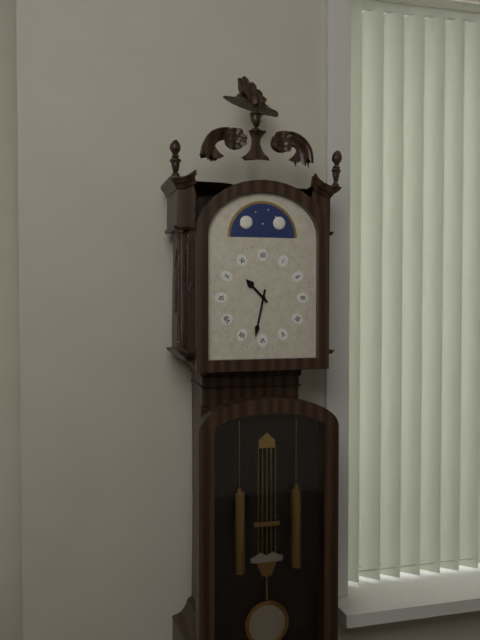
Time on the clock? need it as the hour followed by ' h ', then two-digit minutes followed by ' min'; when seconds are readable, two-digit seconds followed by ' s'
10 h 32 min
